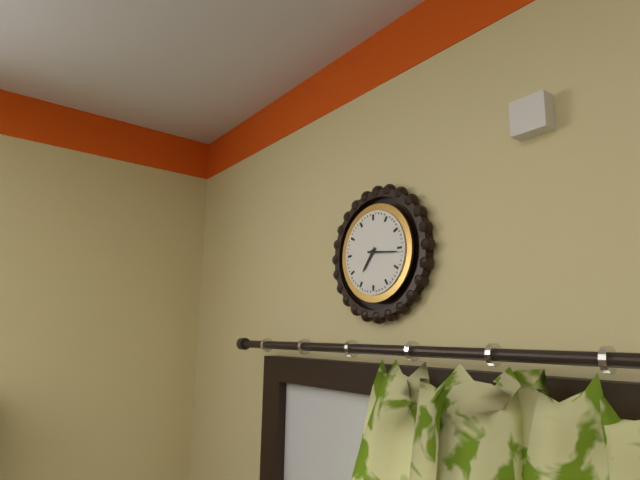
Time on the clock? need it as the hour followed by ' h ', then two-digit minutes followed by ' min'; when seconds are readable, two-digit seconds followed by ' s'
7 h 16 min
